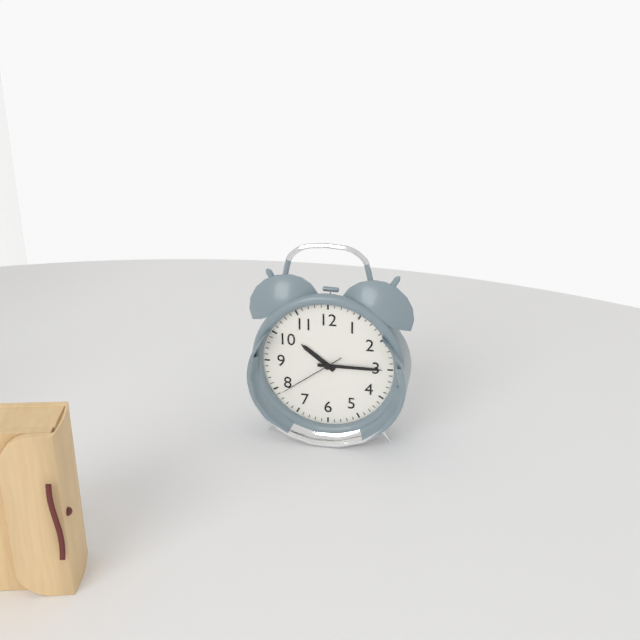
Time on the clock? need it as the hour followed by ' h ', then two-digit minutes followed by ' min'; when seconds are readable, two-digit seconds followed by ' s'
10 h 15 min 39 s
